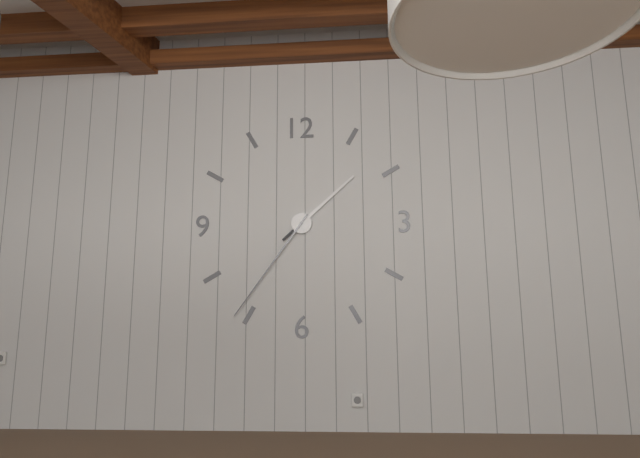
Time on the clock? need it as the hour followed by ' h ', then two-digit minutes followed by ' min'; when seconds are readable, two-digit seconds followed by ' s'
1 h 36 min
